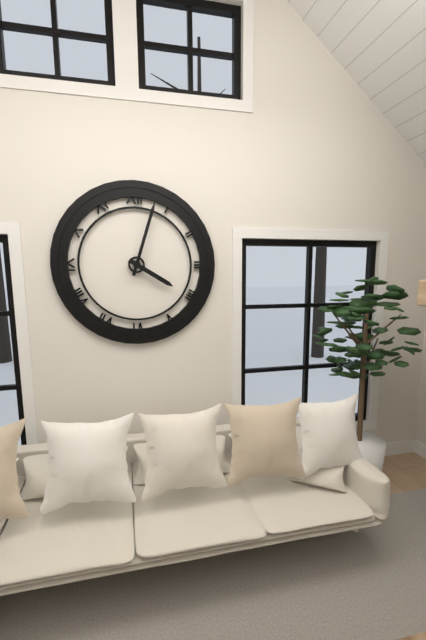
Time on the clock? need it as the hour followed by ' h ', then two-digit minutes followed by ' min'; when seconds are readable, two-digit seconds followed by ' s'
4 h 03 min
